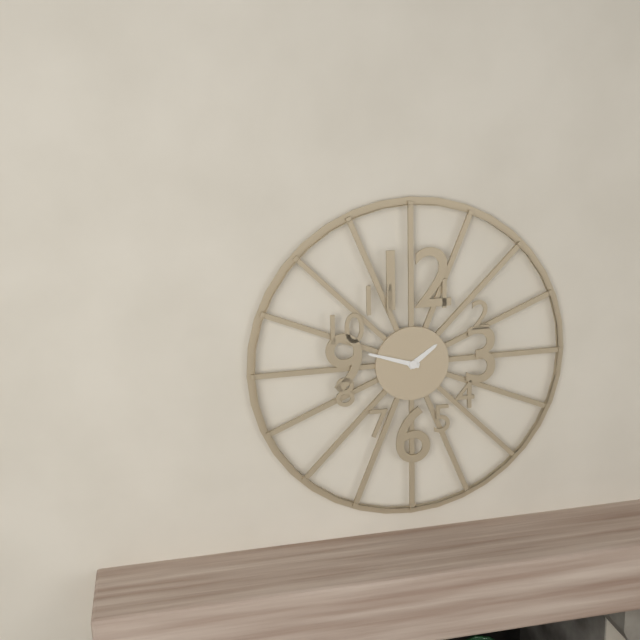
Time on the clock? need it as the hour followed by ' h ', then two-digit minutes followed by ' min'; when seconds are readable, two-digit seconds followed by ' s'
1 h 48 min
